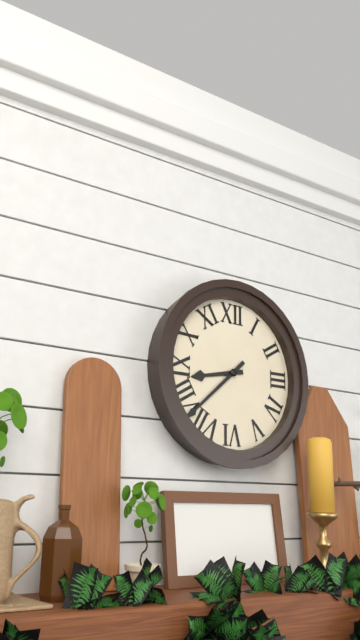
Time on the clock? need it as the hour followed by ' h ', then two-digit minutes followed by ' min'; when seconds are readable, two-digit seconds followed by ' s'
8 h 38 min
